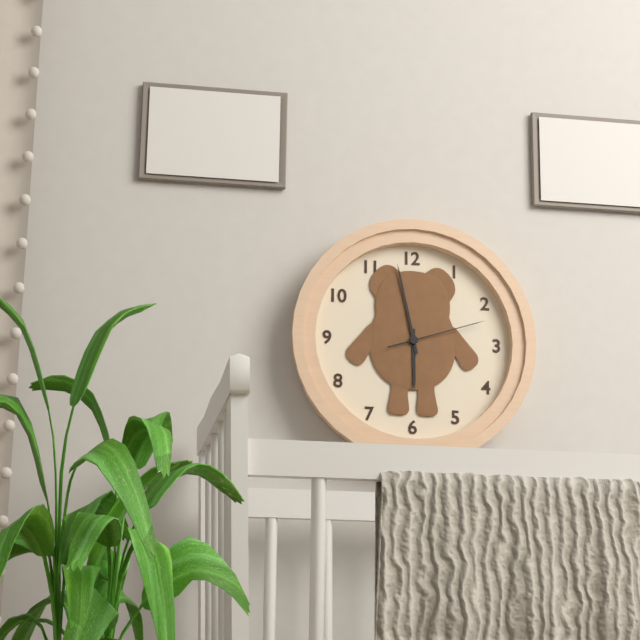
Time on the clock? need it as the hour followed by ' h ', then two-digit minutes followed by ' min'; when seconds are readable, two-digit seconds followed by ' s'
5 h 58 min 12 s
